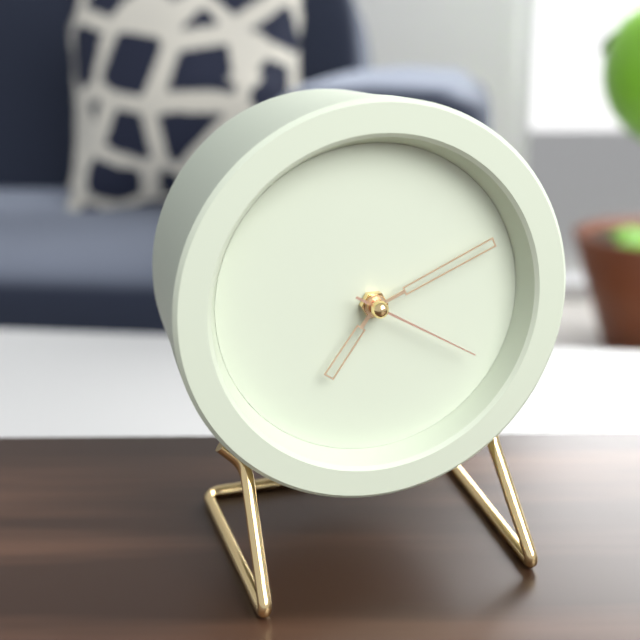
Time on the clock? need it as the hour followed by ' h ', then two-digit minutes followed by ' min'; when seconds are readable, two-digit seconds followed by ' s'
7 h 11 min 20 s
